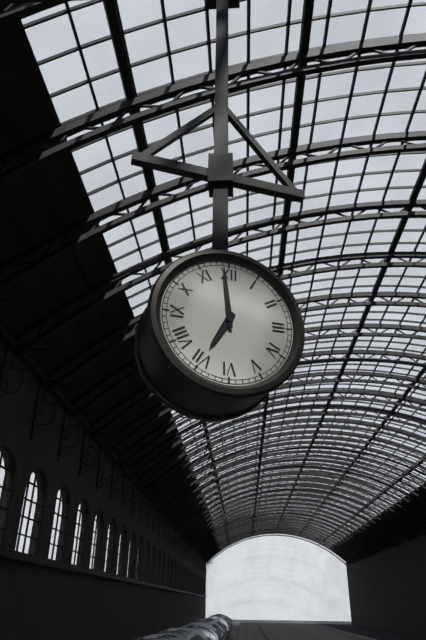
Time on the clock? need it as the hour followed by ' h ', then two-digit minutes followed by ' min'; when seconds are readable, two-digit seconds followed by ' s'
6 h 59 min
